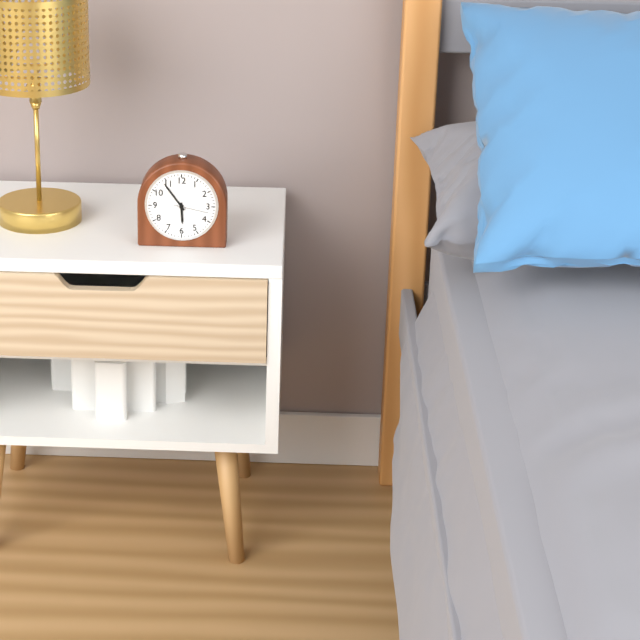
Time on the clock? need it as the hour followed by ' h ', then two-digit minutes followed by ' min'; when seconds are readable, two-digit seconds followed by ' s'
5 h 54 min
